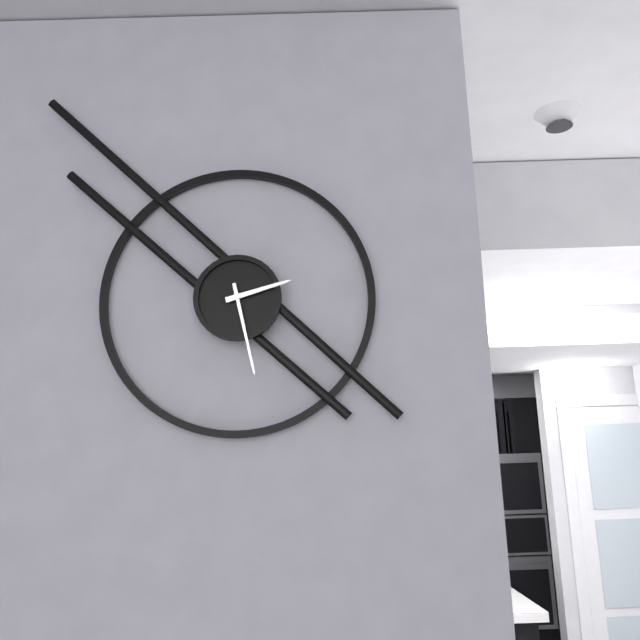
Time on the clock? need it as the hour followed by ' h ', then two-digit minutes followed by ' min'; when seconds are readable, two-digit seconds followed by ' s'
2 h 28 min
